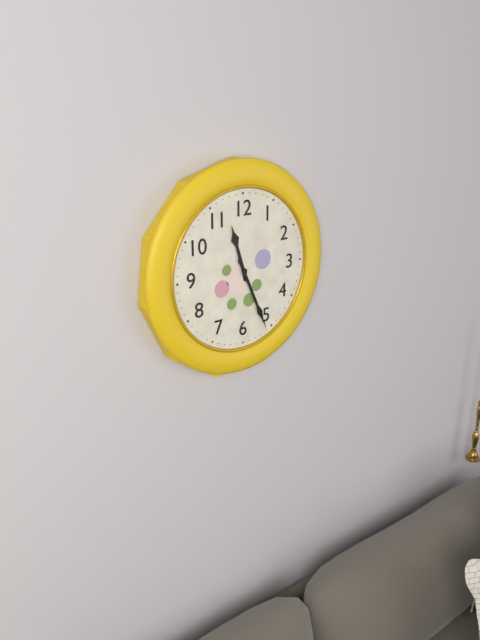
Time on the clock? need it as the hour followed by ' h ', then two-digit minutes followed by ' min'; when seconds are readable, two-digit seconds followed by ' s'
11 h 26 min
